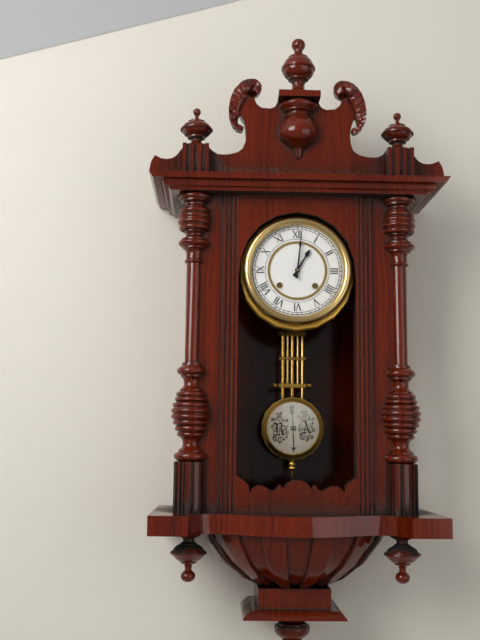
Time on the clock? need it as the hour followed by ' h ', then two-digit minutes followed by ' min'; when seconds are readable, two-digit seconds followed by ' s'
1 h 01 min
